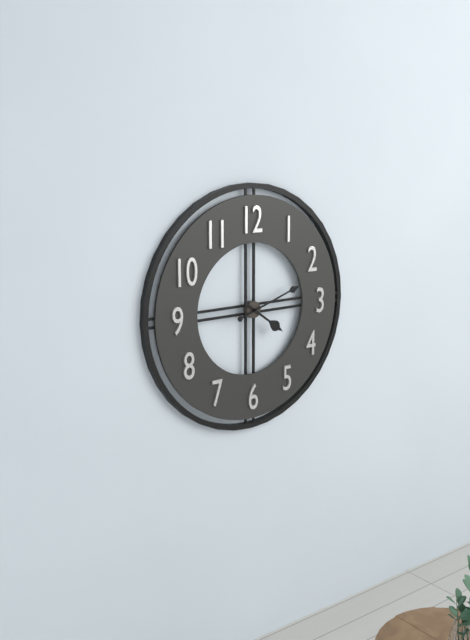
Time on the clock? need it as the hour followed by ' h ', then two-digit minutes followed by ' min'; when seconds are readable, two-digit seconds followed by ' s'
4 h 12 min
